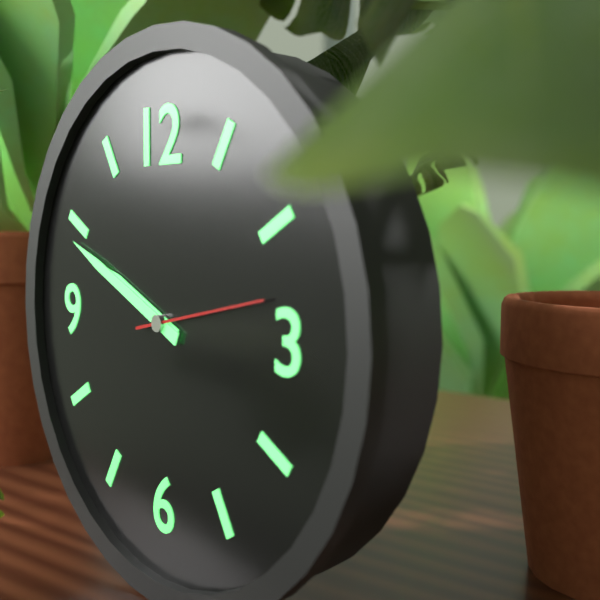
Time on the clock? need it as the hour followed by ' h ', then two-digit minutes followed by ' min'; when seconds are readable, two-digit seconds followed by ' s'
9 h 49 min 13 s
